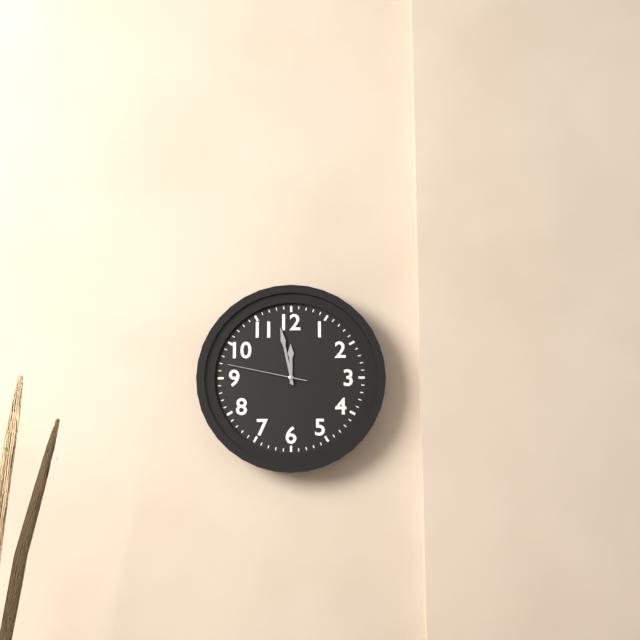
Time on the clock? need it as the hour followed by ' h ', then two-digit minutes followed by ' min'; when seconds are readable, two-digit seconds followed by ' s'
11 h 58 min 47 s
